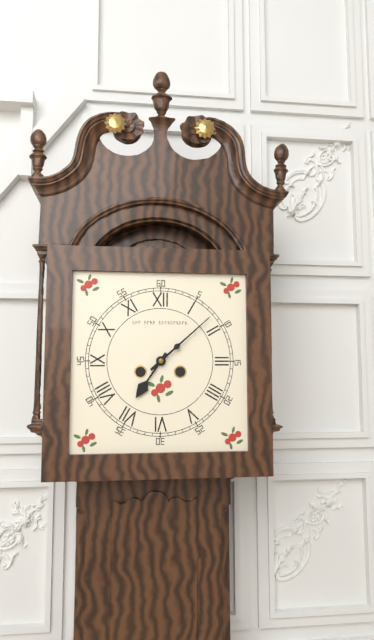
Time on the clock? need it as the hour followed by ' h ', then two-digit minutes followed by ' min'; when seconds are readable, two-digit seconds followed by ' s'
7 h 08 min
